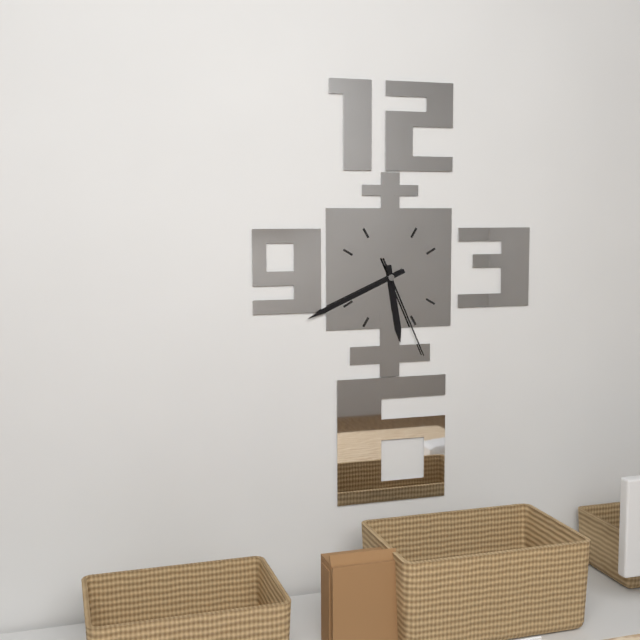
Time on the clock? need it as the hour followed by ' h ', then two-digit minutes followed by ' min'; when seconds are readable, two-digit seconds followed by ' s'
5 h 41 min 26 s
